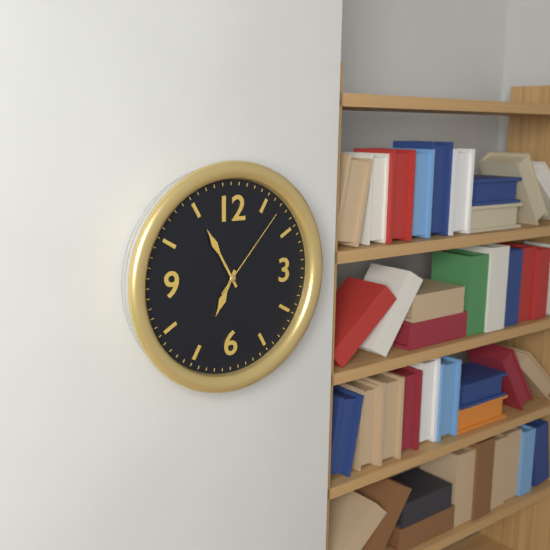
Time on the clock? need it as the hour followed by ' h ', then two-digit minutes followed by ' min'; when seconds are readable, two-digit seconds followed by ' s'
6 h 55 min 07 s
